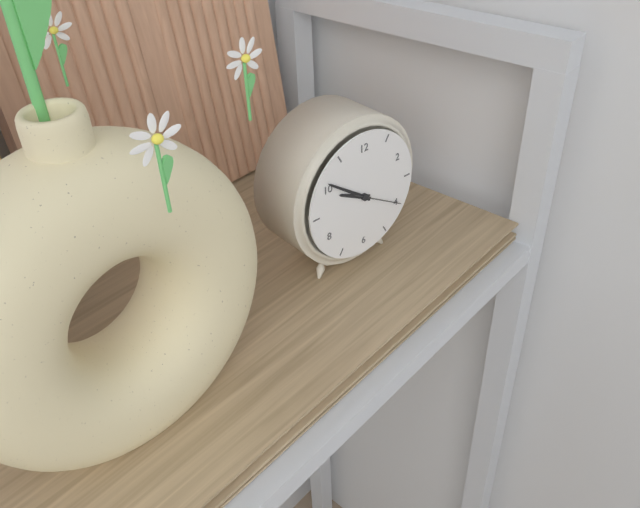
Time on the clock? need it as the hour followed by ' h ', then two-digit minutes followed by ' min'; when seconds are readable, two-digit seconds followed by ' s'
9 h 51 min
